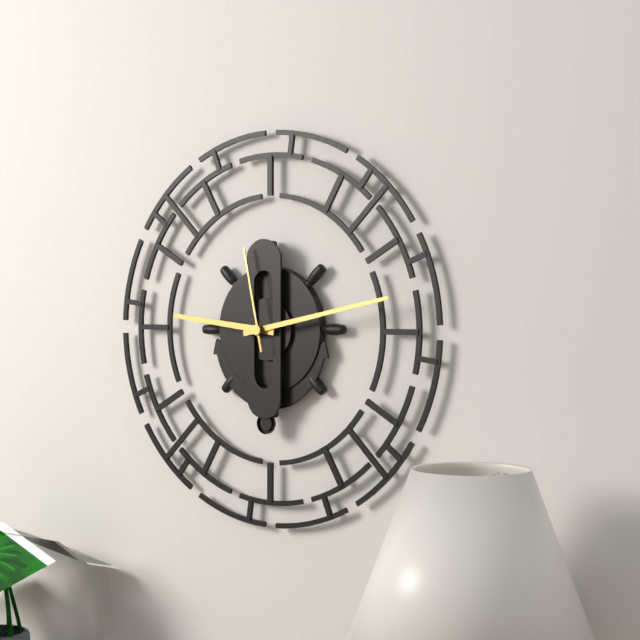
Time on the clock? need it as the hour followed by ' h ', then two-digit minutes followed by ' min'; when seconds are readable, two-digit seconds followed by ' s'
9 h 13 min 58 s
